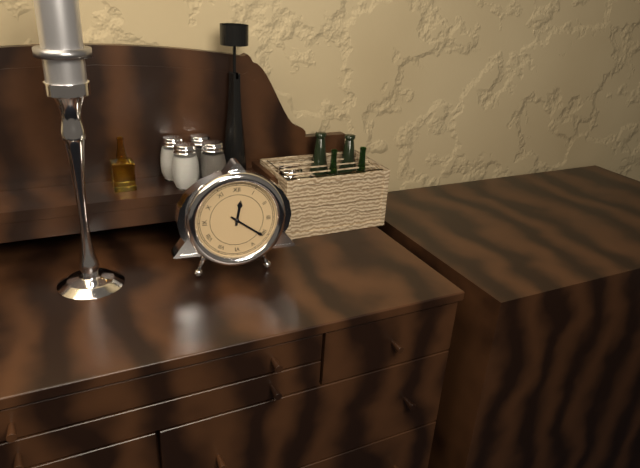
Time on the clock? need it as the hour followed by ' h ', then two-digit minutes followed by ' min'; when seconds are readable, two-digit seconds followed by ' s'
12 h 21 min
